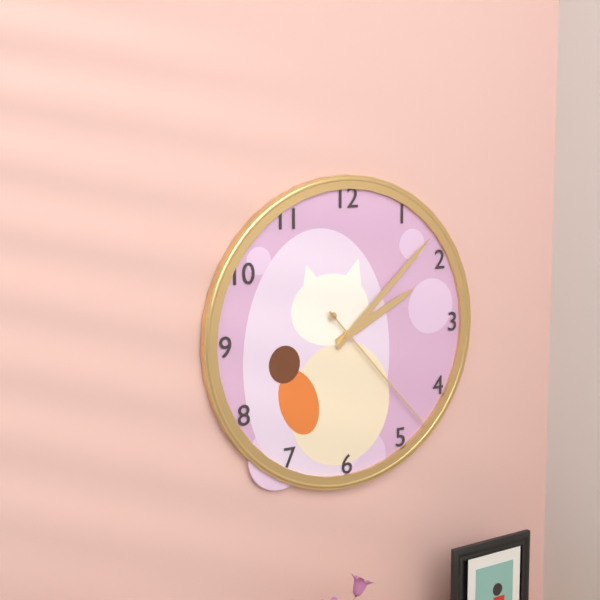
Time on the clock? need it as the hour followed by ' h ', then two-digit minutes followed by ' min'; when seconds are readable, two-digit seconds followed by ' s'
2 h 08 min 23 s
